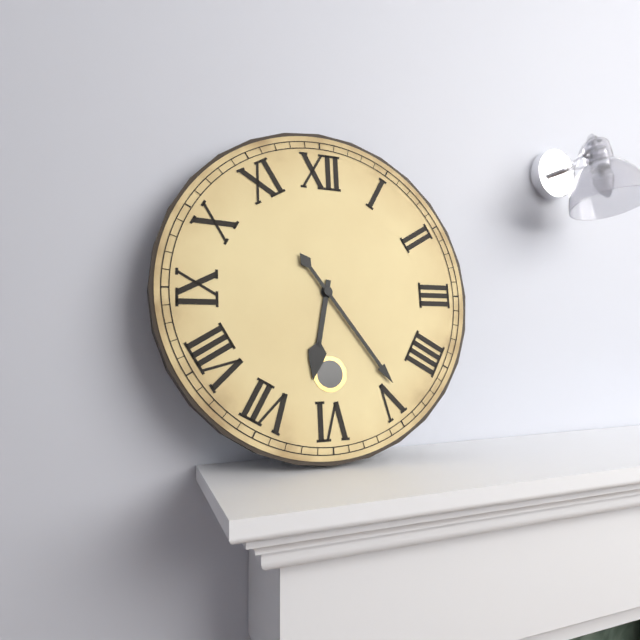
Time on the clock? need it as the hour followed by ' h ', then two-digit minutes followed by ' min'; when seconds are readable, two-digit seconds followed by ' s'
6 h 24 min
